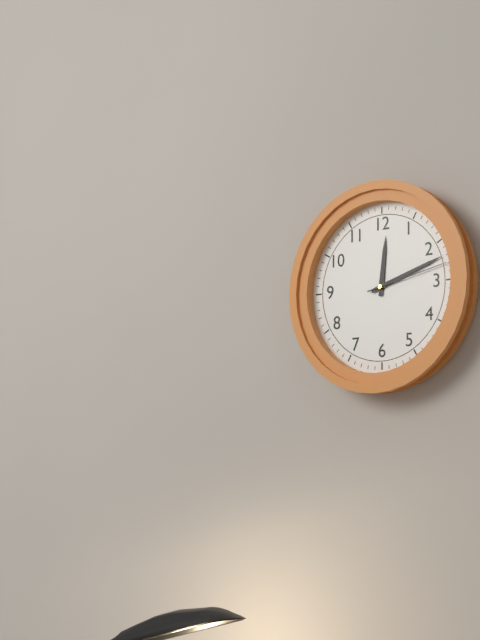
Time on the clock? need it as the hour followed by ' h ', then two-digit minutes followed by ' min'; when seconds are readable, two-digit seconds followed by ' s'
12 h 12 min 13 s
